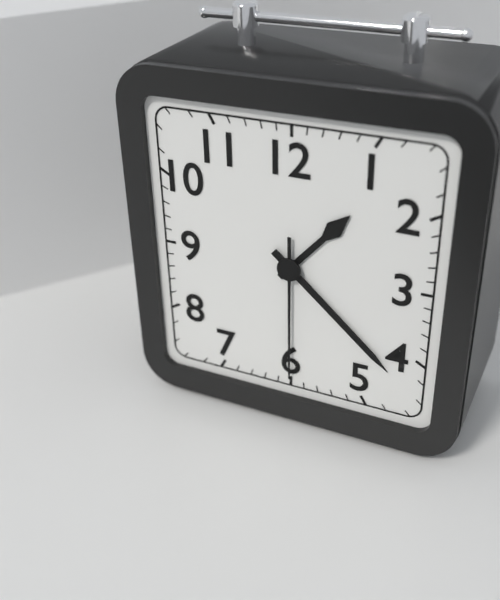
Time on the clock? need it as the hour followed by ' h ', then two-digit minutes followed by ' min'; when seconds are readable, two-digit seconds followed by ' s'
1 h 22 min 30 s
